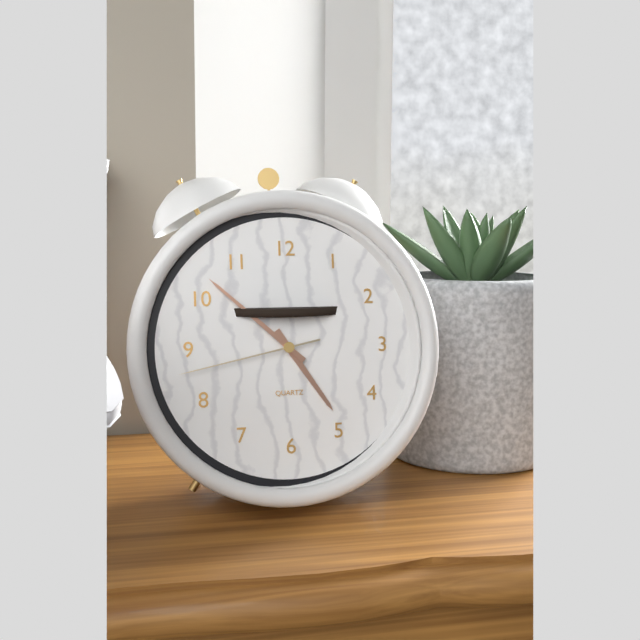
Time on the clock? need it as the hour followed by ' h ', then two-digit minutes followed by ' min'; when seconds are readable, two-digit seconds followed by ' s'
4 h 52 min 43 s
